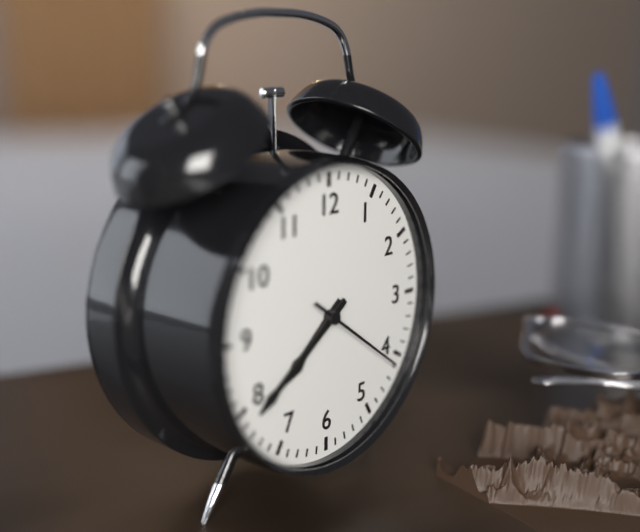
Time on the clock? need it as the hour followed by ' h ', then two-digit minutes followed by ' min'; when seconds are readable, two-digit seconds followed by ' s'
7 h 39 min 21 s
